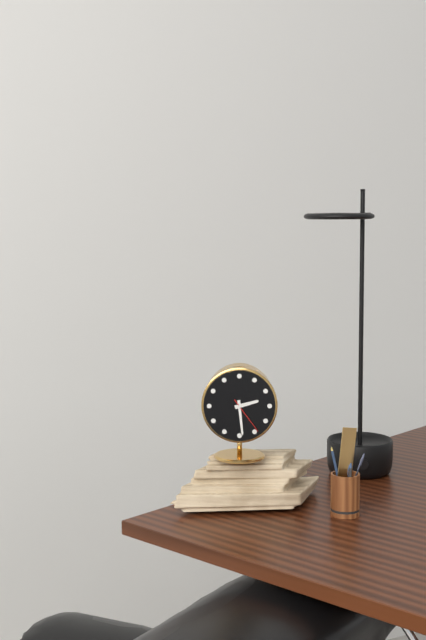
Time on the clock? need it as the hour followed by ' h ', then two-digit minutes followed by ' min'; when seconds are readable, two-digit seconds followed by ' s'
2 h 29 min
